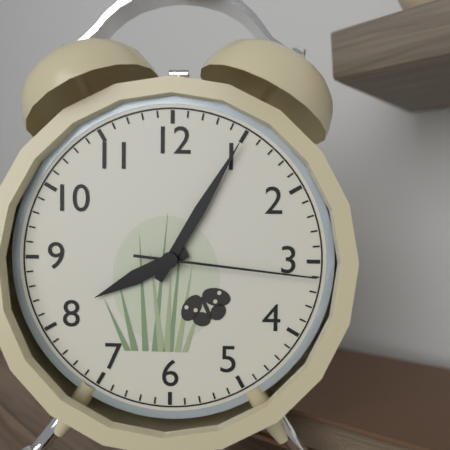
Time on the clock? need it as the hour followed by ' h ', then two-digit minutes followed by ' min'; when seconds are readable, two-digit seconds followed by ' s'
8 h 05 min 16 s
